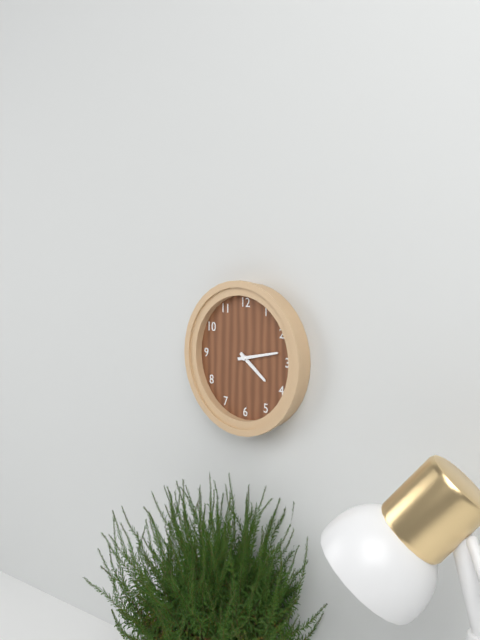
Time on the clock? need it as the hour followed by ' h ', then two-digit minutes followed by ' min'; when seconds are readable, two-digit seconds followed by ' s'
4 h 13 min
